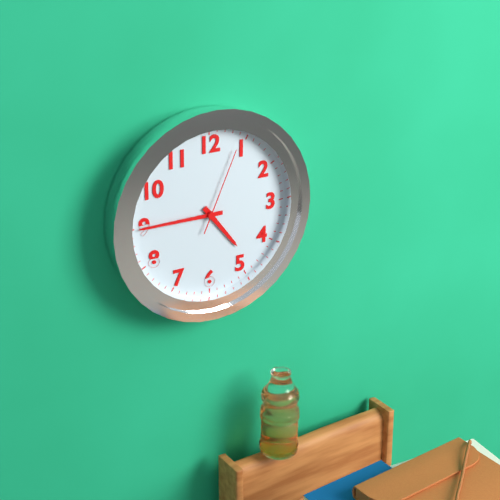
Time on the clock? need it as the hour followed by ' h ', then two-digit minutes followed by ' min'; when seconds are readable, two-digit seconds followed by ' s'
4 h 45 min 04 s
